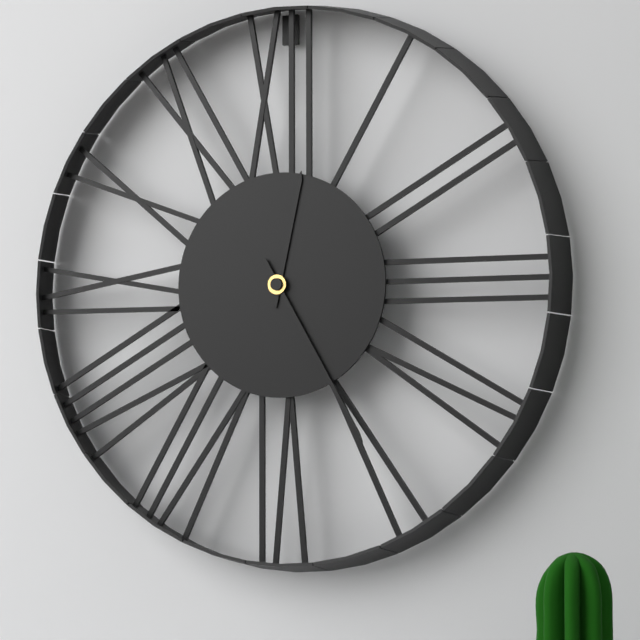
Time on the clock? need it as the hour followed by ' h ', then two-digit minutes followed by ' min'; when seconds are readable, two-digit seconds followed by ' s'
12 h 25 min
